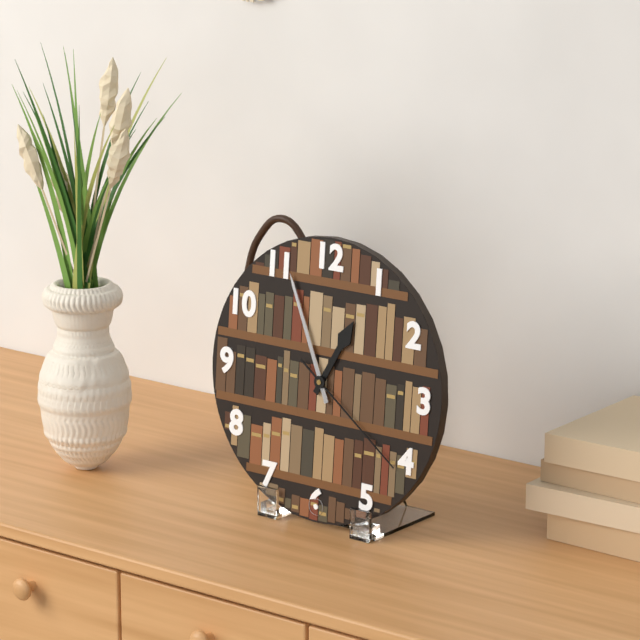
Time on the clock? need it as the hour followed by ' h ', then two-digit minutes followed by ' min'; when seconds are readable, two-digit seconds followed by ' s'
12 h 56 min 21 s
